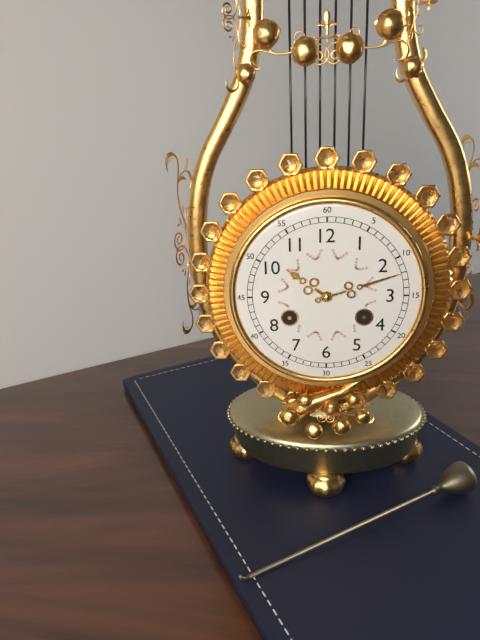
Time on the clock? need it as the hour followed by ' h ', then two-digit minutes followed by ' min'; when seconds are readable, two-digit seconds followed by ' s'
10 h 12 min
